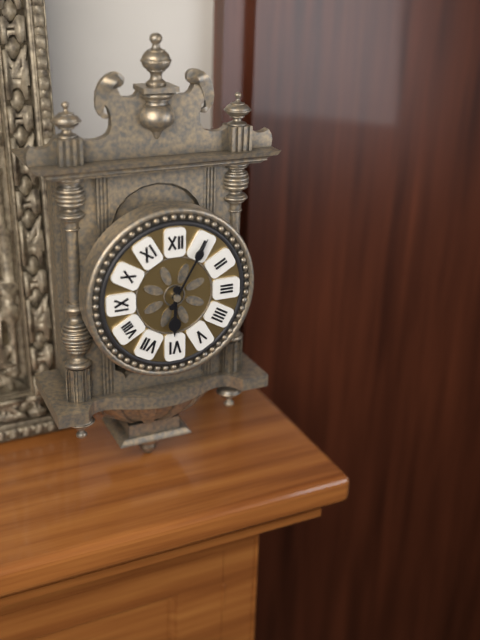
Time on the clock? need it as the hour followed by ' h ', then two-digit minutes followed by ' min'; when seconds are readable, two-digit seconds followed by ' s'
6 h 05 min
